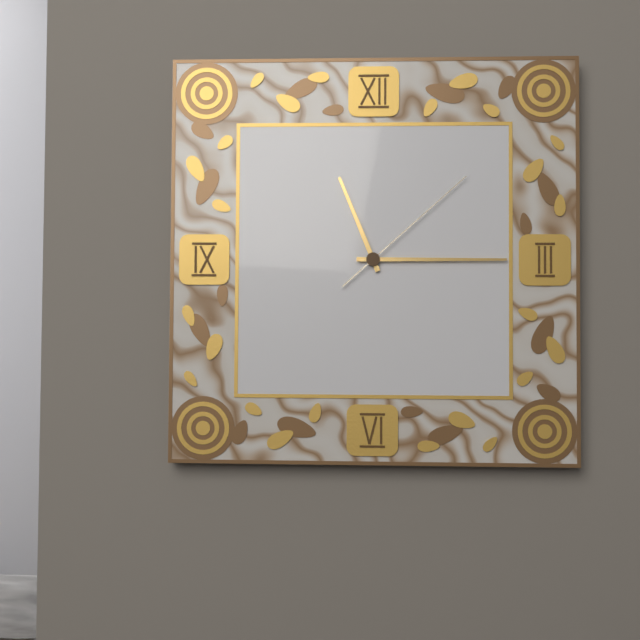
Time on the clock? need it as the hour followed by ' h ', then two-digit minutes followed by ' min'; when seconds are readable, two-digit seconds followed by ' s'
11 h 15 min 08 s
